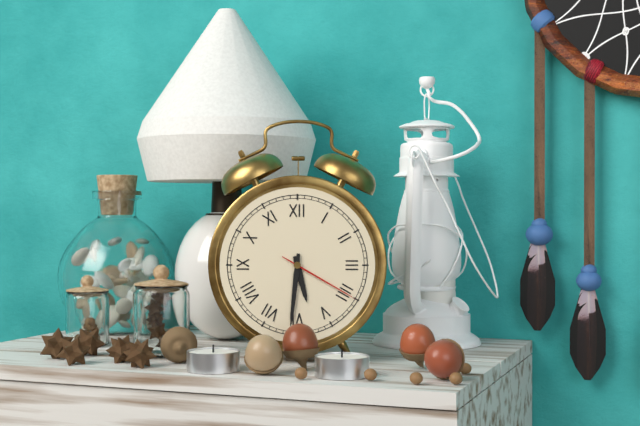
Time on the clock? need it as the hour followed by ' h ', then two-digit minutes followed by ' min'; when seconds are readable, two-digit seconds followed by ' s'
5 h 31 min 20 s
